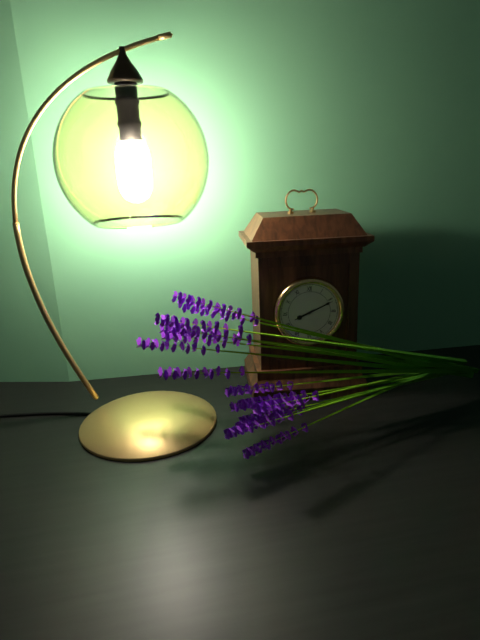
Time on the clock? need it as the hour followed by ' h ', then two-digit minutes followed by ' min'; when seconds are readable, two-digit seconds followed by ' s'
8 h 11 min
